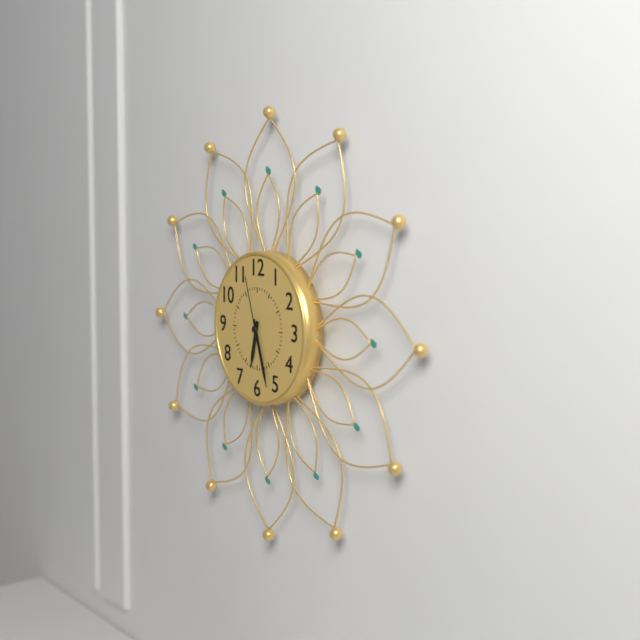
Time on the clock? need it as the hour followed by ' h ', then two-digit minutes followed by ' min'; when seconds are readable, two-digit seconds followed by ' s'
6 h 27 min 57 s
